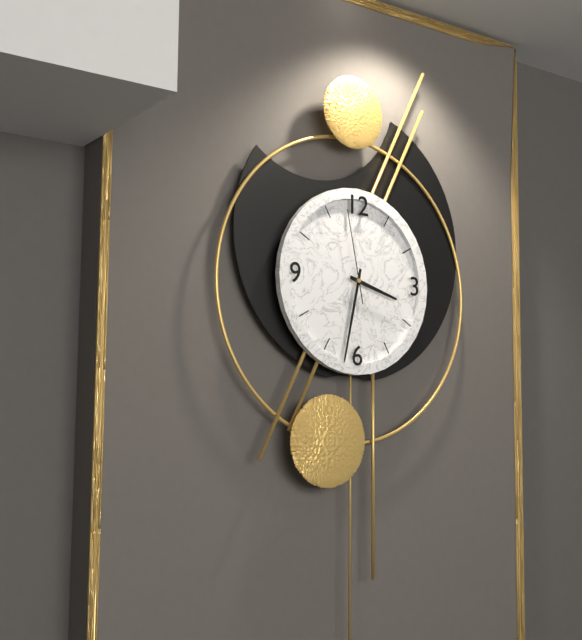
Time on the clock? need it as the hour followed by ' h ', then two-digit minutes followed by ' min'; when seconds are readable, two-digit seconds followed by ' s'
3 h 32 min 58 s
